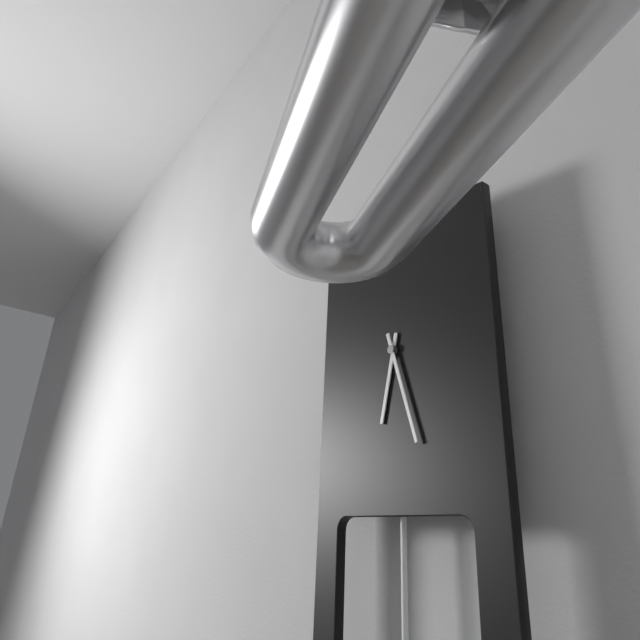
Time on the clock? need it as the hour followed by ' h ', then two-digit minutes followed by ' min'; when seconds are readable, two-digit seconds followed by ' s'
6 h 27 min
